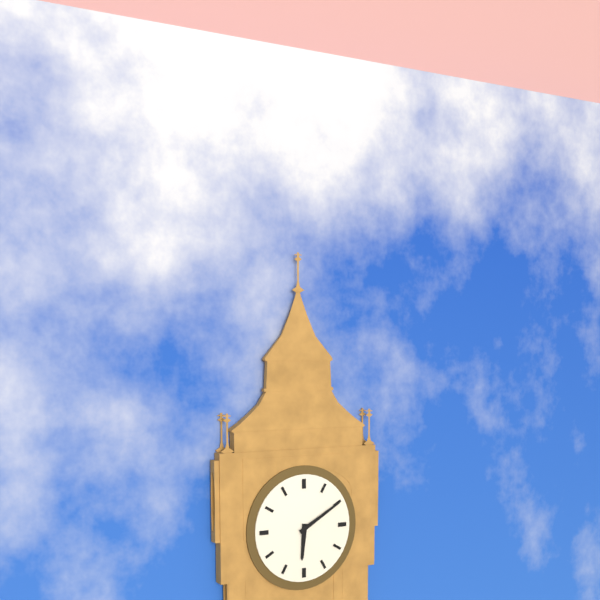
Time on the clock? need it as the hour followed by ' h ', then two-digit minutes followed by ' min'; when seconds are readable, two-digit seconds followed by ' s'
6 h 10 min
